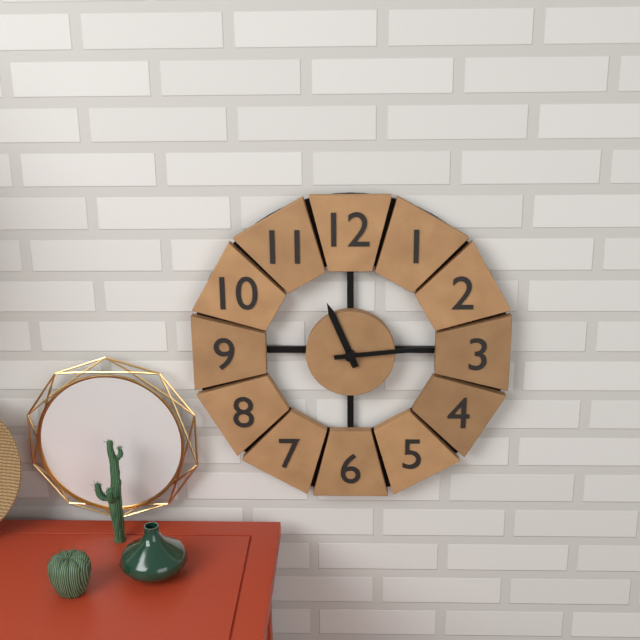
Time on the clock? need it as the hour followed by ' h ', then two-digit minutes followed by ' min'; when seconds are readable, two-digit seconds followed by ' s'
11 h 14 min
